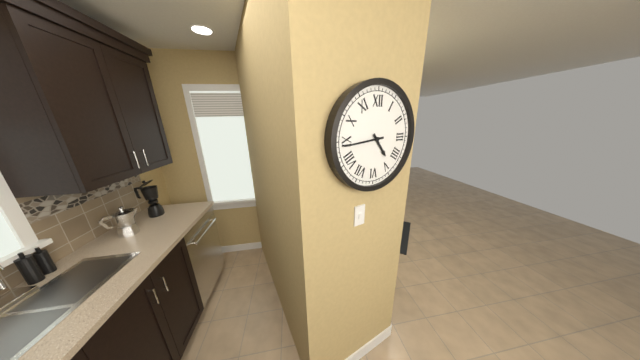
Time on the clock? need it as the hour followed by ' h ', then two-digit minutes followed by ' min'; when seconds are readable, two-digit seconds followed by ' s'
4 h 44 min
